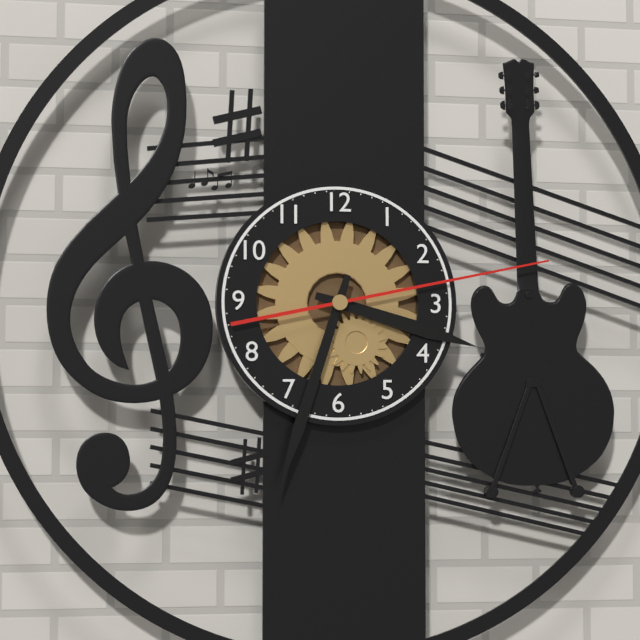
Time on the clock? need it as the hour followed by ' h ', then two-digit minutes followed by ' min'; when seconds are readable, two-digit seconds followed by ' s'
3 h 33 min 13 s
